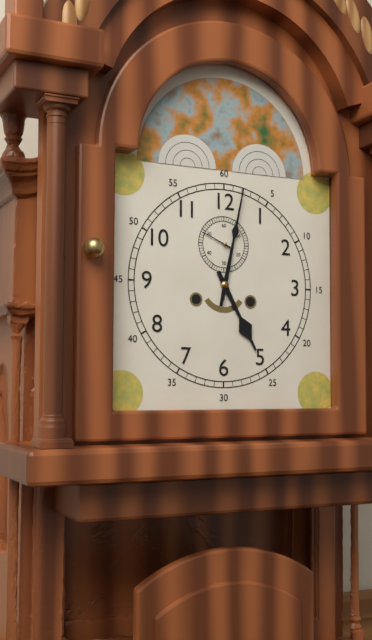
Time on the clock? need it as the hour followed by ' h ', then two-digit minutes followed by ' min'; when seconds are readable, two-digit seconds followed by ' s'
5 h 02 min
